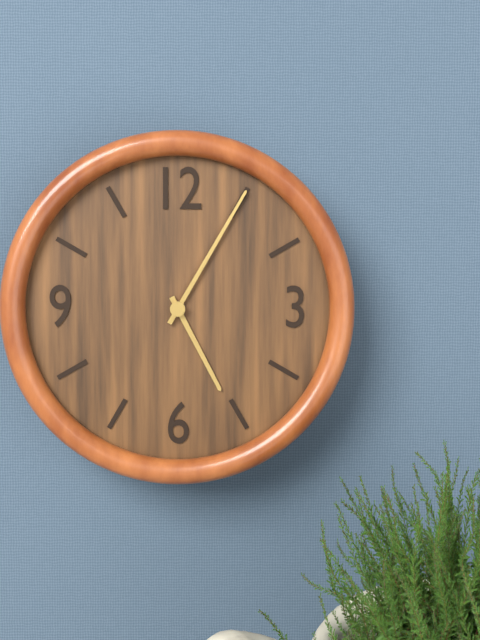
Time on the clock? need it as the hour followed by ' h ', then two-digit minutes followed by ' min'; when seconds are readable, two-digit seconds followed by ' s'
5 h 05 min
